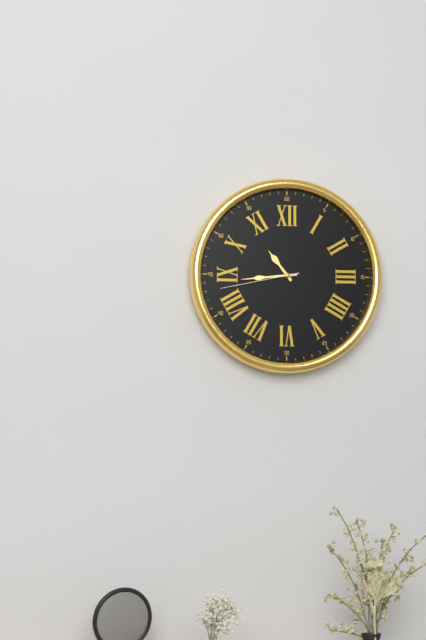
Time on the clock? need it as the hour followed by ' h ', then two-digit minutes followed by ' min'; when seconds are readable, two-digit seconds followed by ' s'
10 h 44 min 43 s
